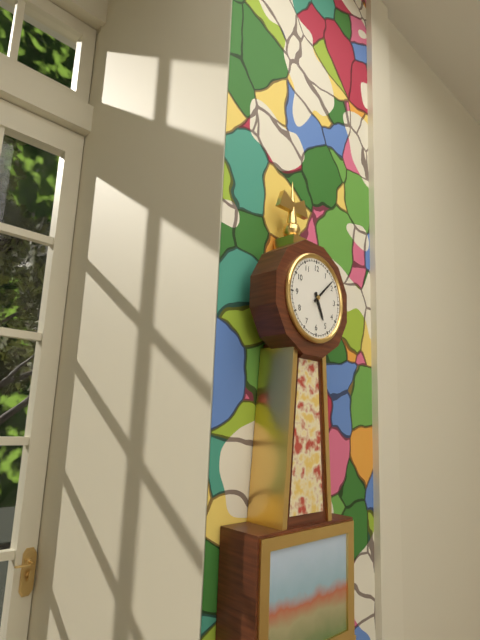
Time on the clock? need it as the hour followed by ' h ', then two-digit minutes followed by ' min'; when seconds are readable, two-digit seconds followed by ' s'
5 h 08 min
